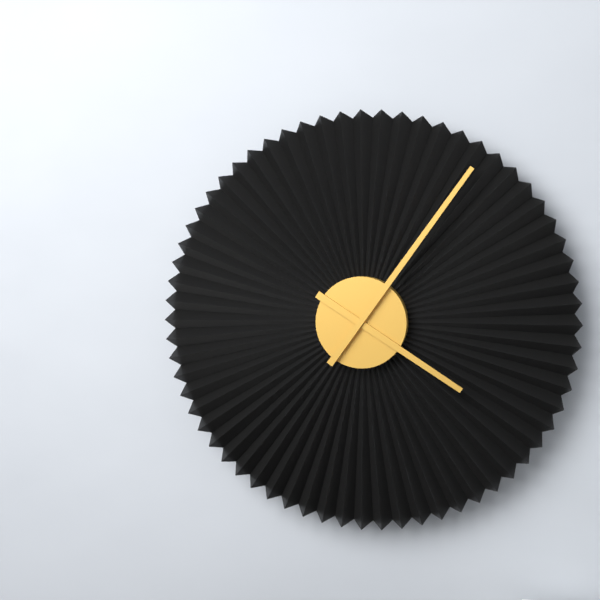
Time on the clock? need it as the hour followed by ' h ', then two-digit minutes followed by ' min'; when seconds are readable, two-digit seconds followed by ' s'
4 h 06 min
